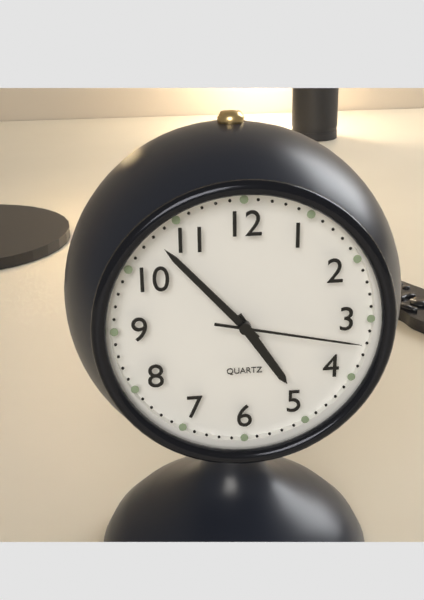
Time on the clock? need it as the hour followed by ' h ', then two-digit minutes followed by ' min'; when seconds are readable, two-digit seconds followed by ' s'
4 h 53 min 17 s
